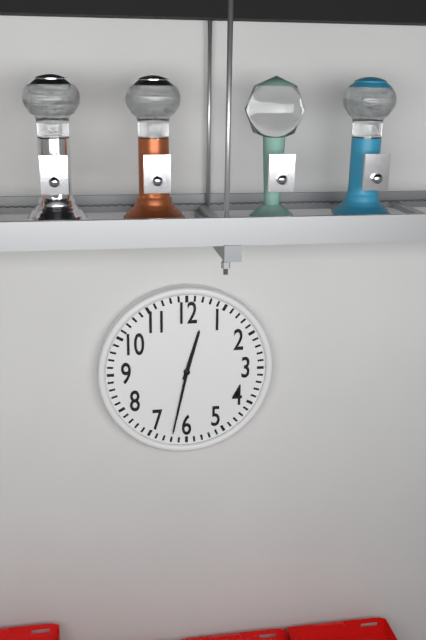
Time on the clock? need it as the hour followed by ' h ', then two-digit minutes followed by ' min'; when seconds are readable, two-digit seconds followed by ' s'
12 h 32 min
